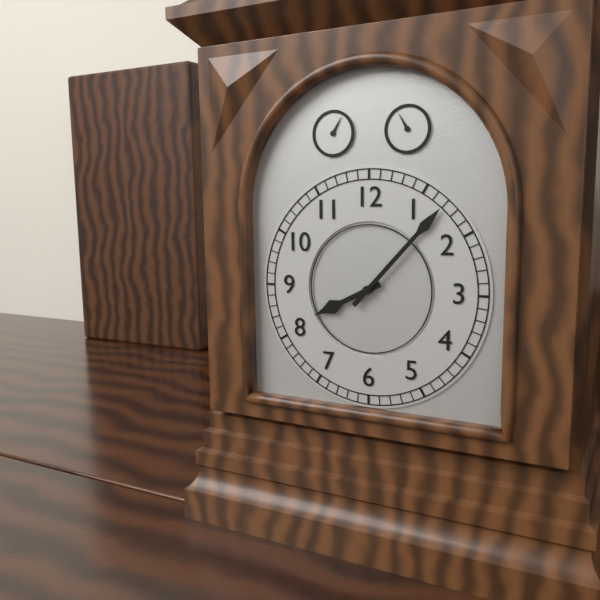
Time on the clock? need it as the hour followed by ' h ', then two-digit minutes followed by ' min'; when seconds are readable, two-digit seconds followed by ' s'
8 h 07 min
